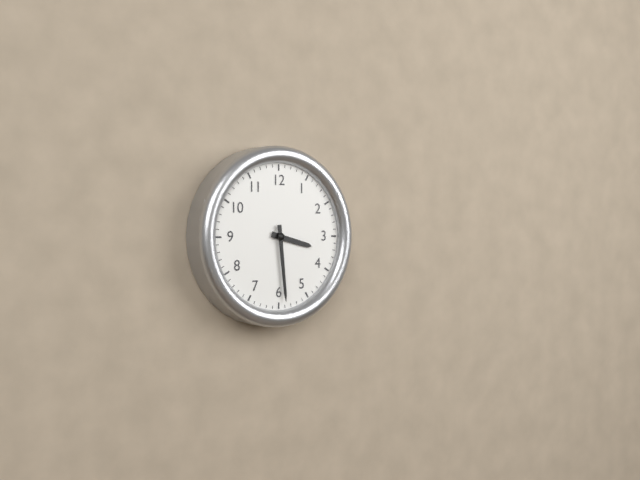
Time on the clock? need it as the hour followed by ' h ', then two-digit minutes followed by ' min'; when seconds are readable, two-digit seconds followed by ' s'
3 h 29 min
